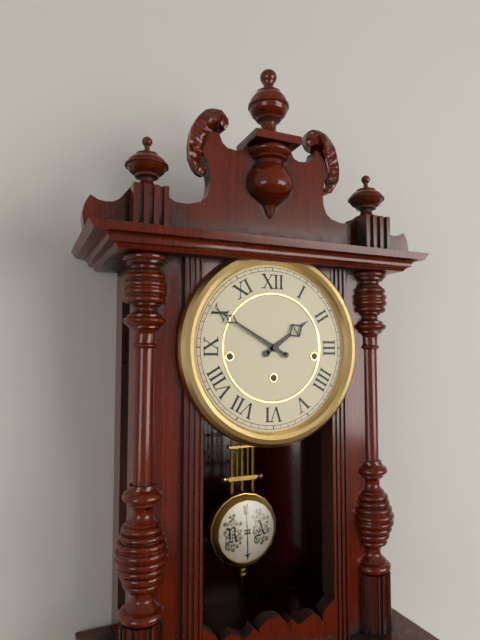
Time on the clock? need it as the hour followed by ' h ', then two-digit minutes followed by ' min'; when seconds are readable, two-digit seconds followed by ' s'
1 h 50 min
